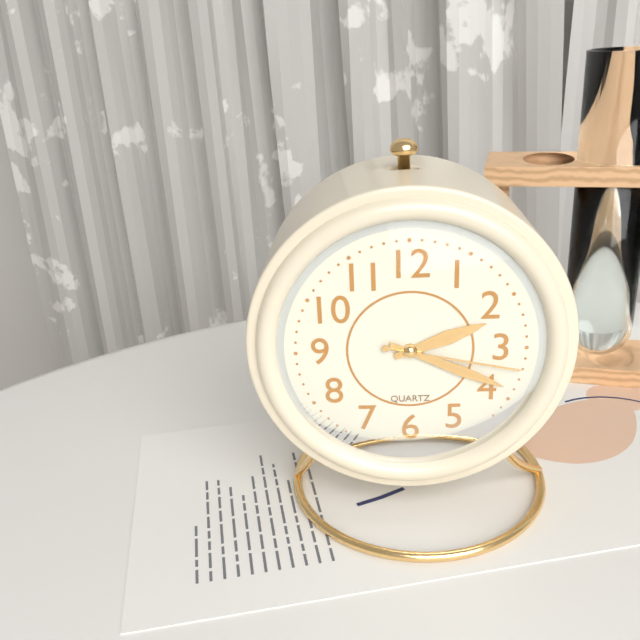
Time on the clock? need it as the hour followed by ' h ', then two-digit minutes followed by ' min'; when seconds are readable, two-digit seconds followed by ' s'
2 h 19 min 17 s
